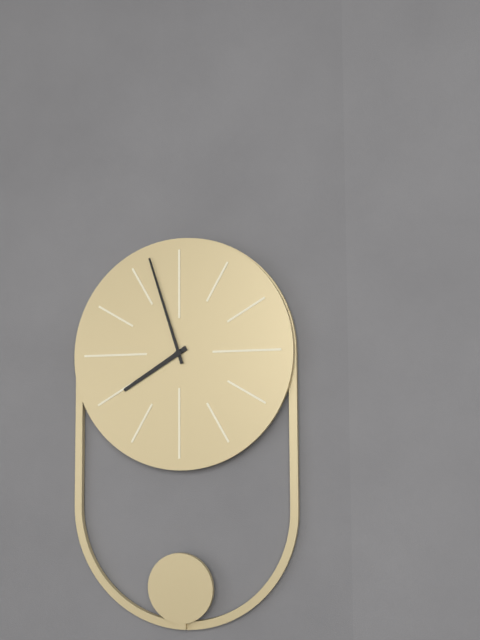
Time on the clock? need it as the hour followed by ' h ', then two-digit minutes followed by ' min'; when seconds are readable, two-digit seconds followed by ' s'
7 h 57 min
